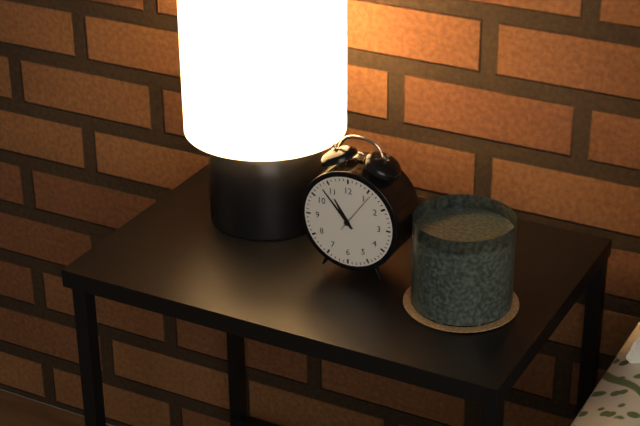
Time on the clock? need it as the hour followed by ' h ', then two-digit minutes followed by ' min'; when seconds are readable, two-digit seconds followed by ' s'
10 h 53 min
